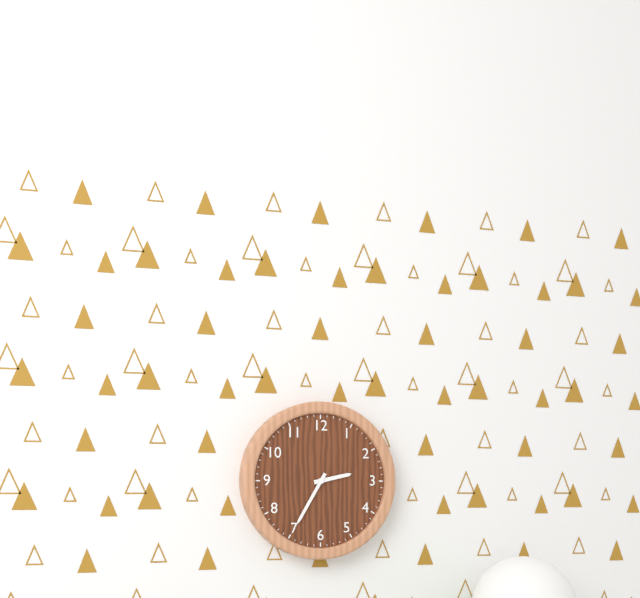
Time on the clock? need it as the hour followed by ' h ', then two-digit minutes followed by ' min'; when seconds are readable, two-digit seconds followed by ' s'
2 h 35 min
